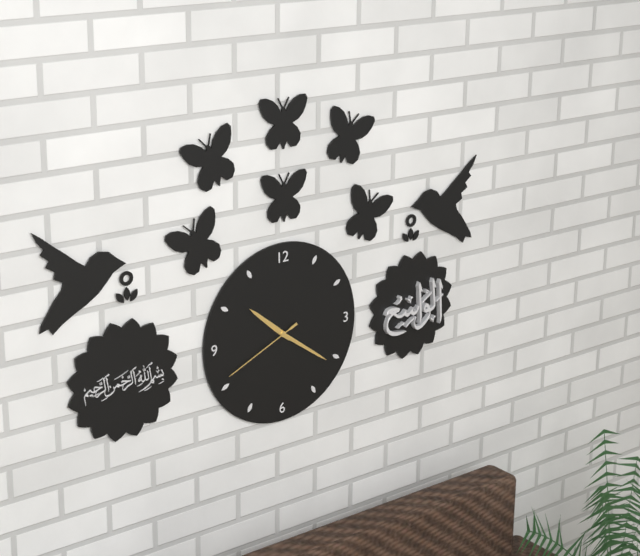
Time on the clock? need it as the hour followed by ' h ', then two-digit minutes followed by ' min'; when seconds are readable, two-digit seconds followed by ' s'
10 h 21 min 41 s
